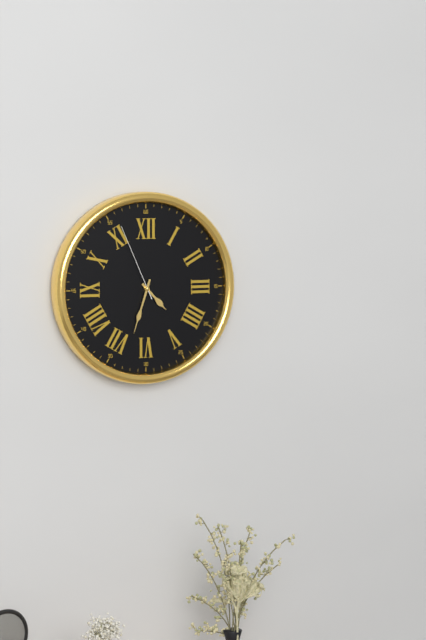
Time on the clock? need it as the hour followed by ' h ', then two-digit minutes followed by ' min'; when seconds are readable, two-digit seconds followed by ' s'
4 h 33 min 56 s
